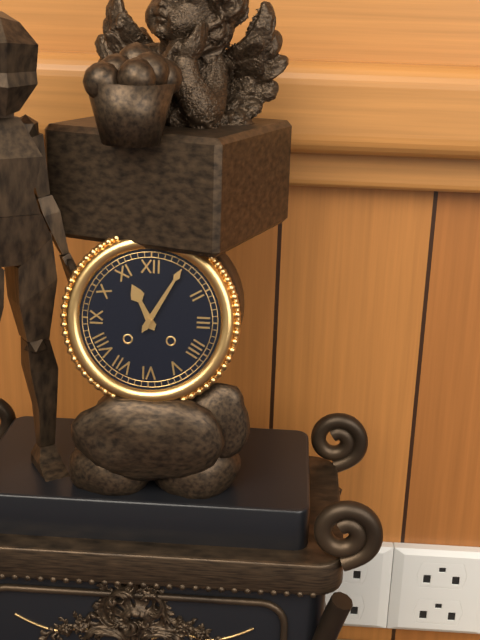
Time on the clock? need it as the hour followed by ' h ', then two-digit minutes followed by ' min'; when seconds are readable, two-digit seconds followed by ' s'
11 h 05 min
